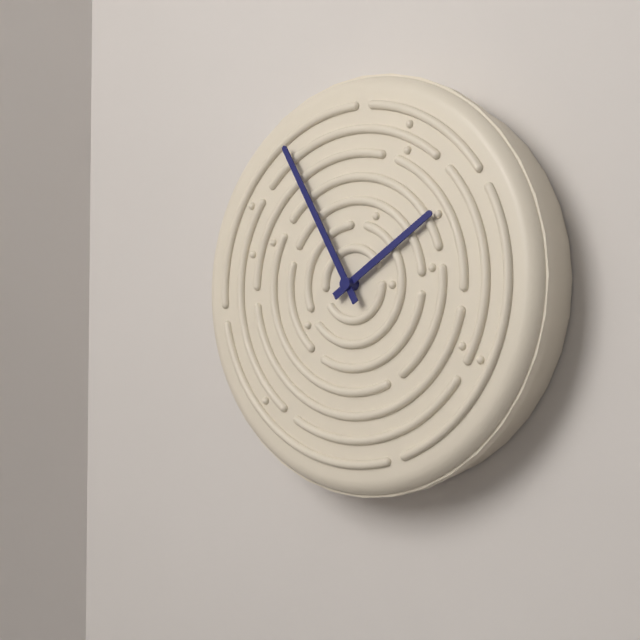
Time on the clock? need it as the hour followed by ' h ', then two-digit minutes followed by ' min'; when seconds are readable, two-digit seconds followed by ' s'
1 h 55 min
